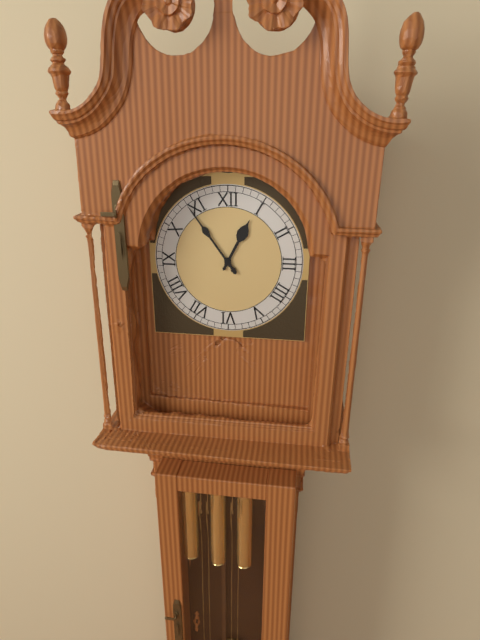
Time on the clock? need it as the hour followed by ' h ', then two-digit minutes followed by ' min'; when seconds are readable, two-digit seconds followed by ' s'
12 h 54 min
